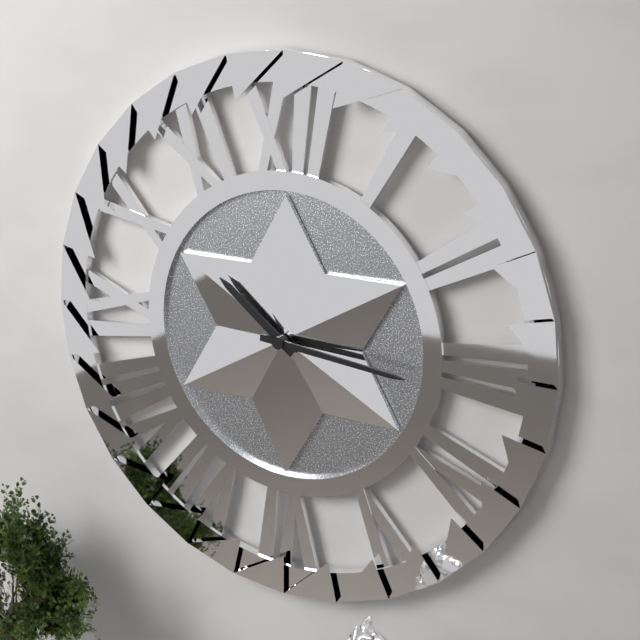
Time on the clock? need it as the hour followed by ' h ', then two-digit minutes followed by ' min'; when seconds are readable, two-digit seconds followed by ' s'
10 h 16 min
